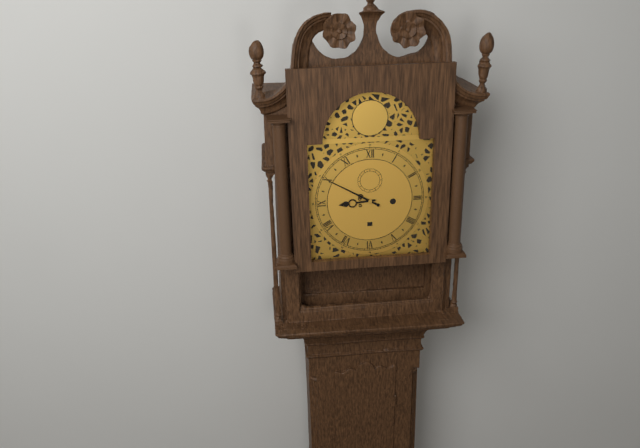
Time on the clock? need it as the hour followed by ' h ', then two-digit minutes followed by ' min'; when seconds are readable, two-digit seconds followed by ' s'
8 h 50 min
